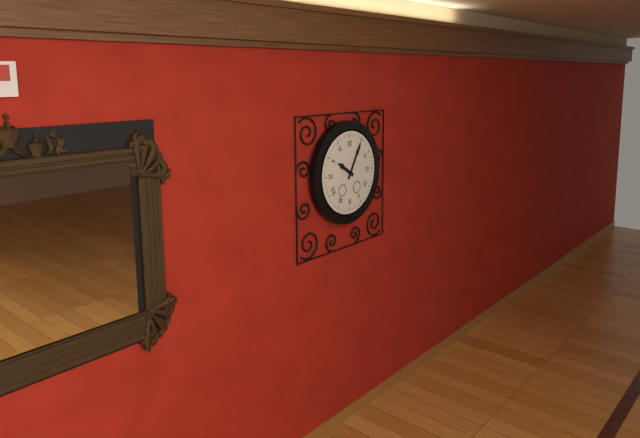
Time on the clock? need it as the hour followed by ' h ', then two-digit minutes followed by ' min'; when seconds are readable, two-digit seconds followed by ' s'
10 h 05 min
